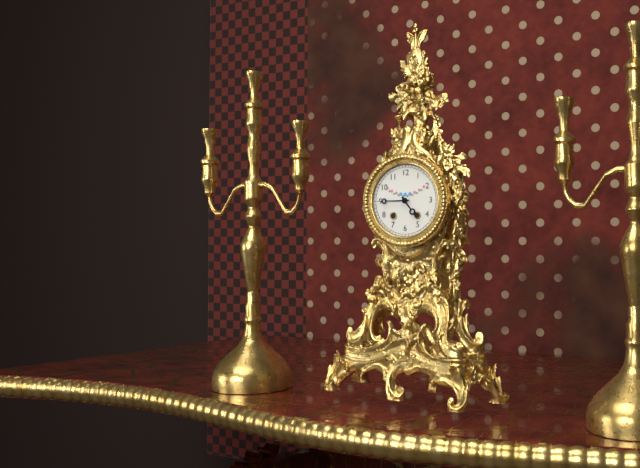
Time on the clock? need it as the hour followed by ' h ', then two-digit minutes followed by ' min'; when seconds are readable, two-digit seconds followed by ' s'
4 h 45 min
